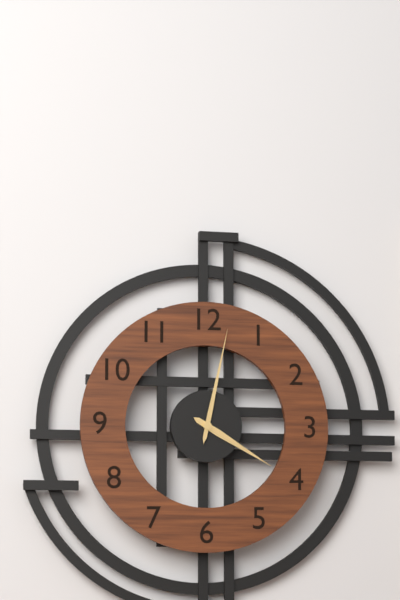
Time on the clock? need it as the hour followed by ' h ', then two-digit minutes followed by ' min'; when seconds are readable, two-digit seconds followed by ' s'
4 h 02 min
